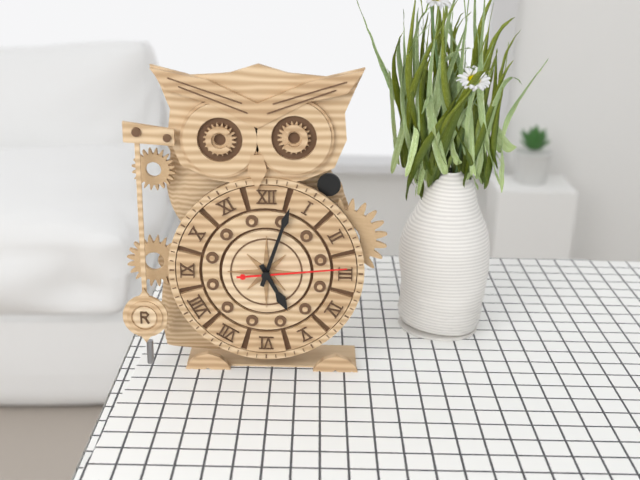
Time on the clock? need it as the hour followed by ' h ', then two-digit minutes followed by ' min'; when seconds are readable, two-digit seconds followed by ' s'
5 h 03 min 14 s
